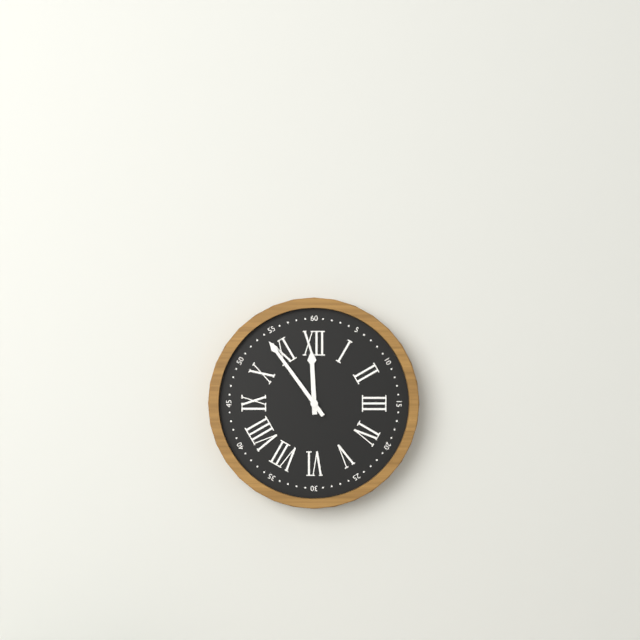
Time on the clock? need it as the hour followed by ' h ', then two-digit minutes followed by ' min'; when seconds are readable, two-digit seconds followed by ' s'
11 h 54 min
